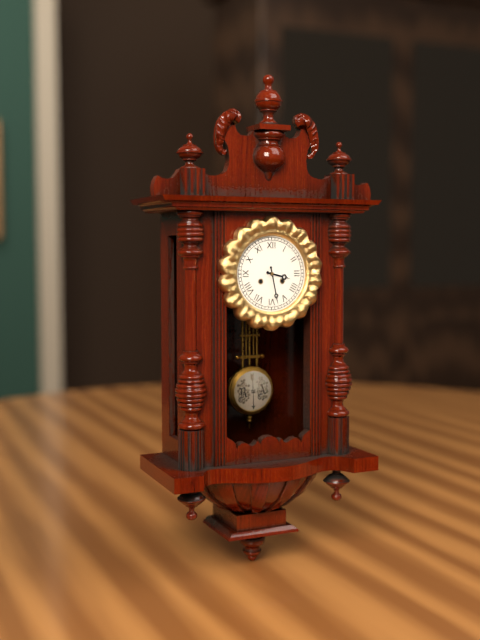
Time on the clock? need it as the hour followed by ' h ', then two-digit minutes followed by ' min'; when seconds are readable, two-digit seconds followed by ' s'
3 h 28 min
